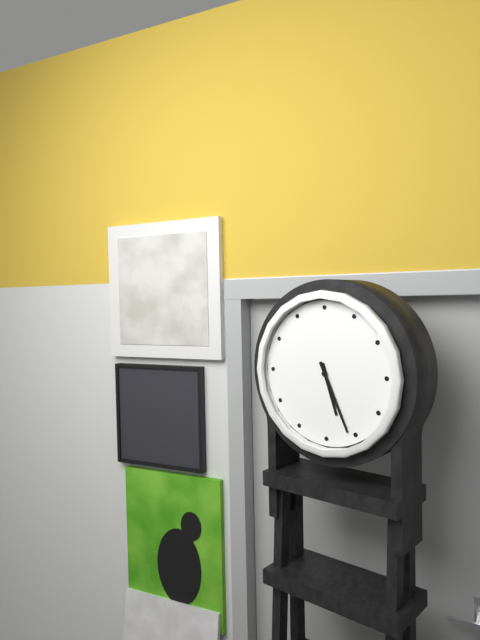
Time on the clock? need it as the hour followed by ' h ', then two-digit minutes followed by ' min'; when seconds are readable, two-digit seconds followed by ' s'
5 h 26 min
